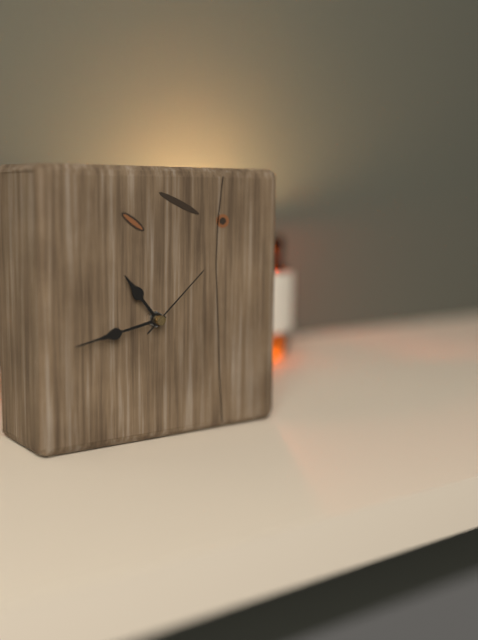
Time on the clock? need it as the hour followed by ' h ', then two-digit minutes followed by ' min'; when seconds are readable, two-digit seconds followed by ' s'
10 h 43 min 08 s
